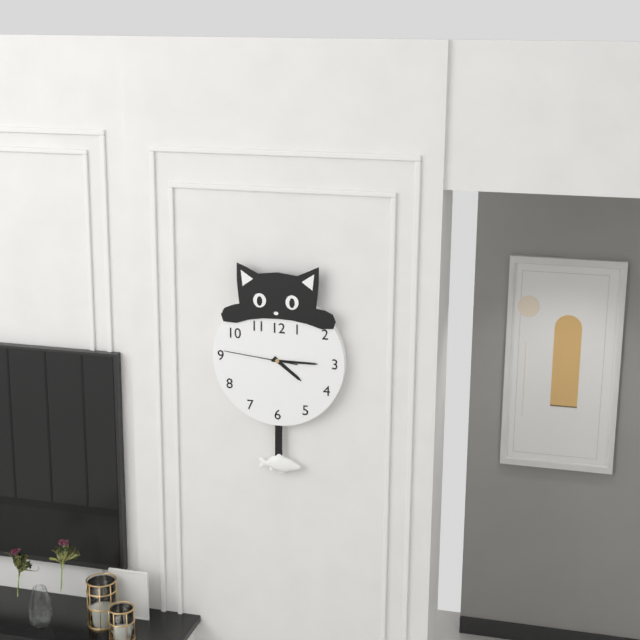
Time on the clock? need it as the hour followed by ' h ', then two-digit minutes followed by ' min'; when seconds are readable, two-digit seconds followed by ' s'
4 h 15 min 46 s
